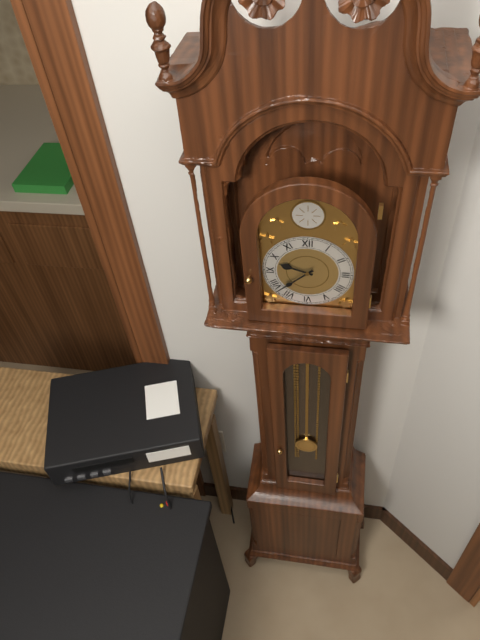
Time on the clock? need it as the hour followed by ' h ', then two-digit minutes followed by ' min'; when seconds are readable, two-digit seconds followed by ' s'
9 h 38 min
